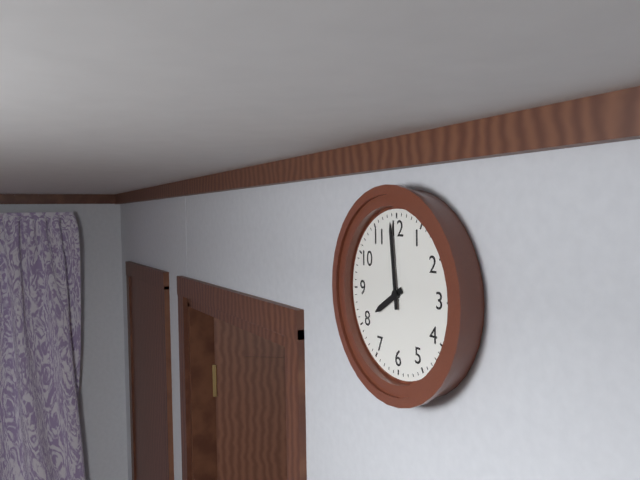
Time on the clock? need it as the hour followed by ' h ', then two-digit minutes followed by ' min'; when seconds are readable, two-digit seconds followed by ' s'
7 h 59 min
